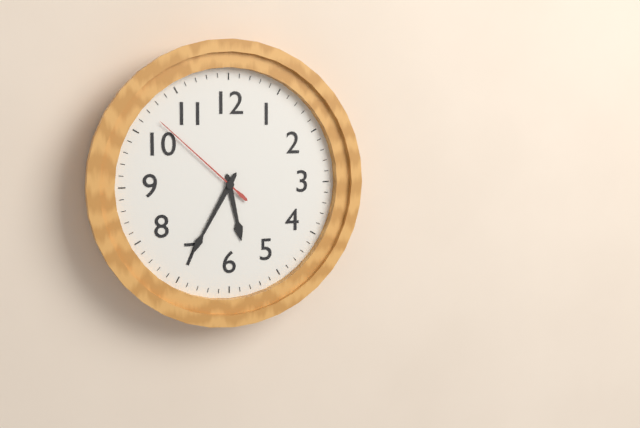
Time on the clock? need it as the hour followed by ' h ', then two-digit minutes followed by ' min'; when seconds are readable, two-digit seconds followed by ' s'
5 h 35 min 52 s
